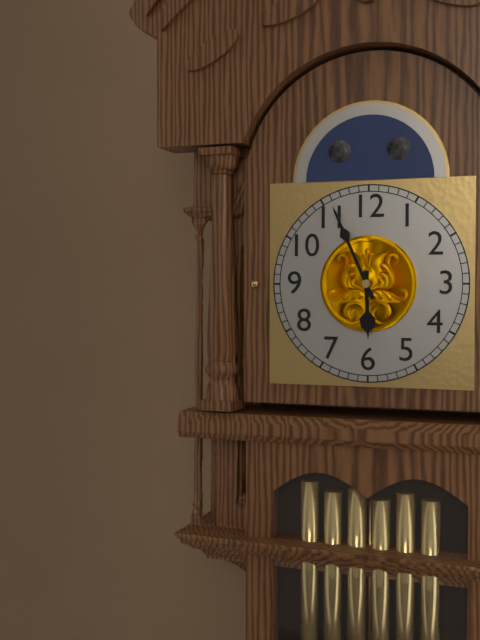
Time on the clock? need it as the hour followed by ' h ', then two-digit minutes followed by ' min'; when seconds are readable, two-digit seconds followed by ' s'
5 h 56 min
